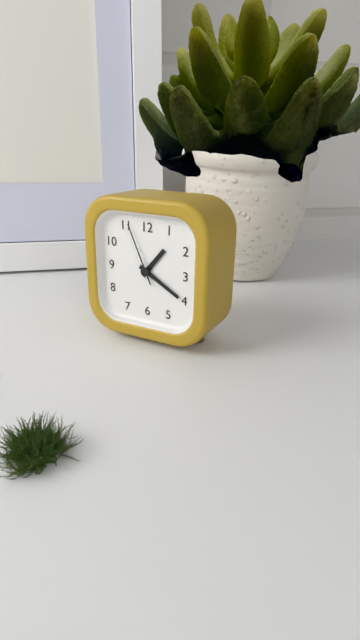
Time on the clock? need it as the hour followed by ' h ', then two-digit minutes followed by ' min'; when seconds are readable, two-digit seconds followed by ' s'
1 h 20 min 56 s
